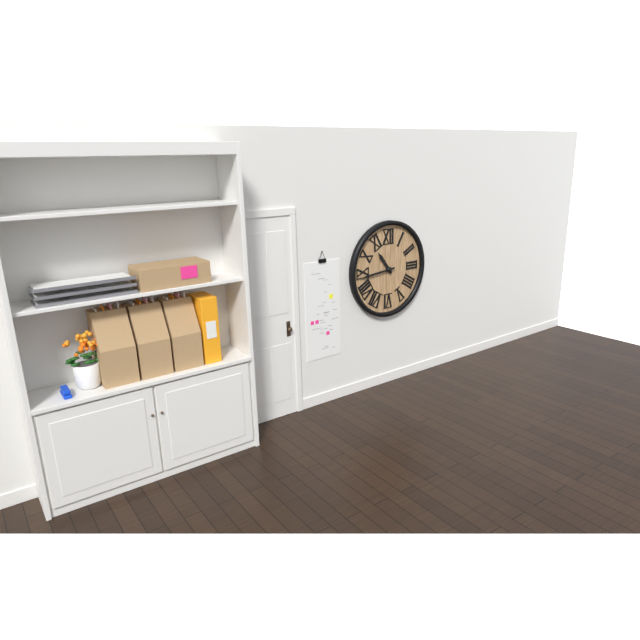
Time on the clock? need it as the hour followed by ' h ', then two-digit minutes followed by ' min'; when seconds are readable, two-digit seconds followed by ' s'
10 h 44 min
